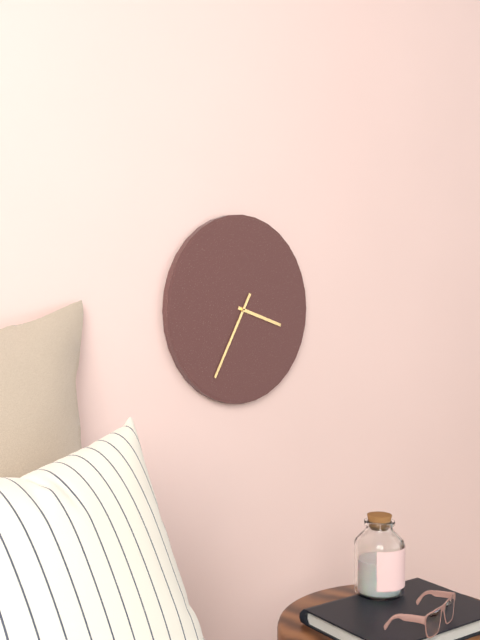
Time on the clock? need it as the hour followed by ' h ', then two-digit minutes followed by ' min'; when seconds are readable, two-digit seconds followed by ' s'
3 h 35 min
